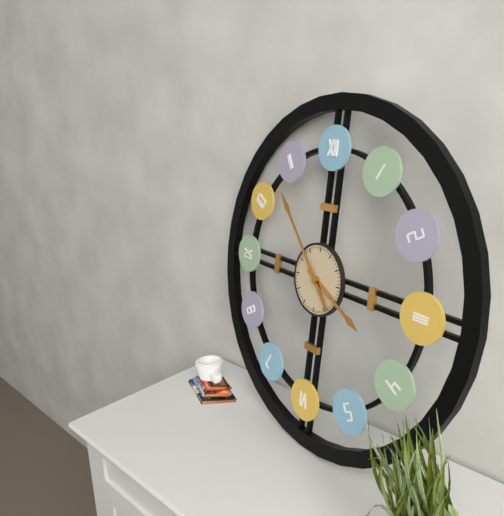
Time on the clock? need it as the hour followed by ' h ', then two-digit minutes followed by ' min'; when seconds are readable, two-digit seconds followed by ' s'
3 h 53 min
